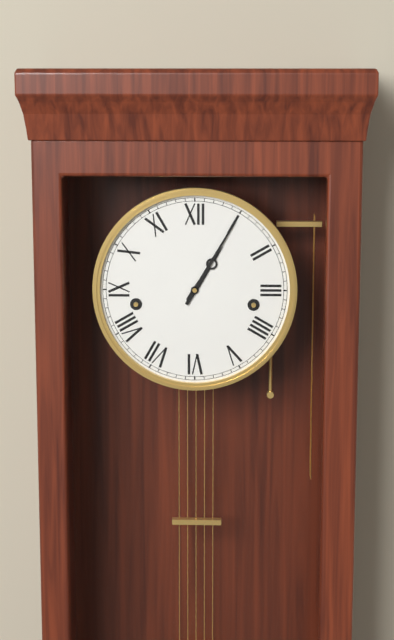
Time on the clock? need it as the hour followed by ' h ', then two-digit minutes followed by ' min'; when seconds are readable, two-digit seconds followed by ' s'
1 h 05 min
